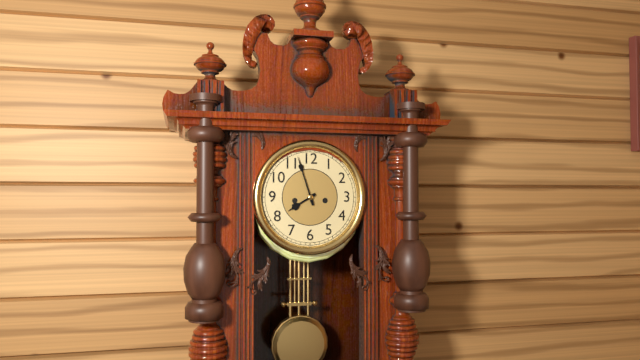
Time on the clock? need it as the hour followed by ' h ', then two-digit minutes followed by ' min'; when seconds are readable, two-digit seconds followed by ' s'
7 h 57 min
